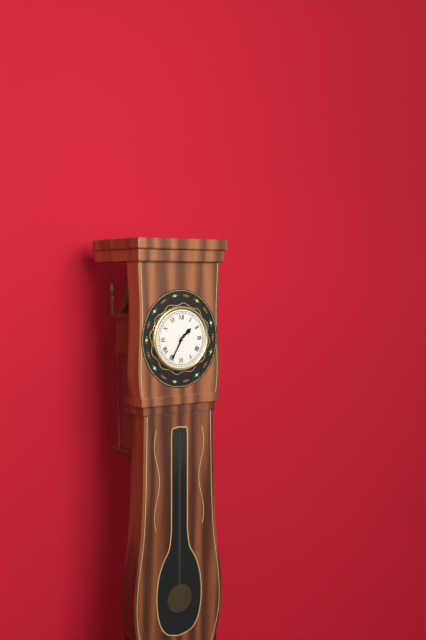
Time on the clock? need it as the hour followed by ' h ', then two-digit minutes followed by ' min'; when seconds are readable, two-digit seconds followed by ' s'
1 h 35 min
